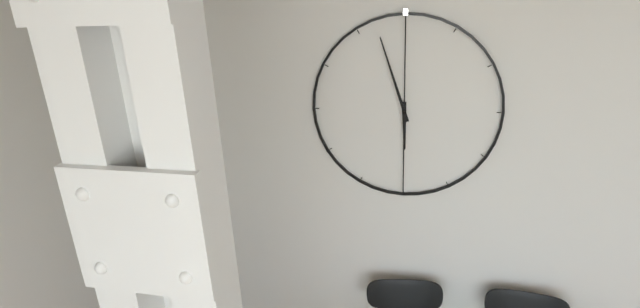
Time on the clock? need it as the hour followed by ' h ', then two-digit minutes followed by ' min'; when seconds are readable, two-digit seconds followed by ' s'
5 h 57 min
